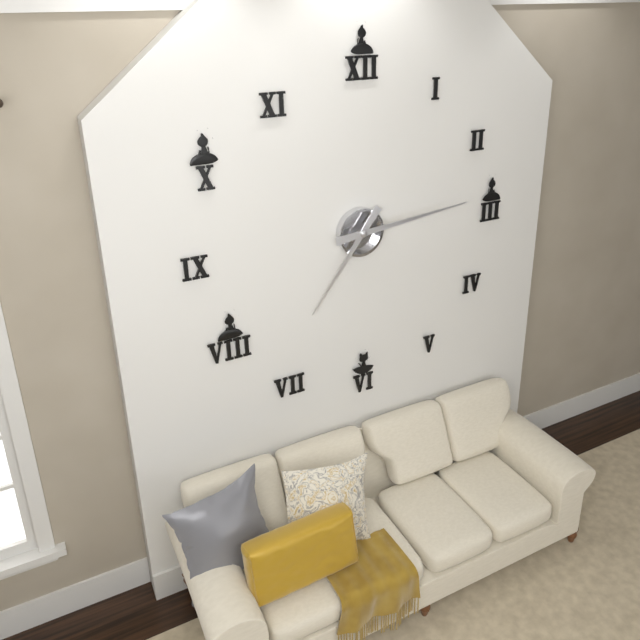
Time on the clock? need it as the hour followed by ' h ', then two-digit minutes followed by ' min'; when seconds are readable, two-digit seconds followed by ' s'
7 h 14 min
